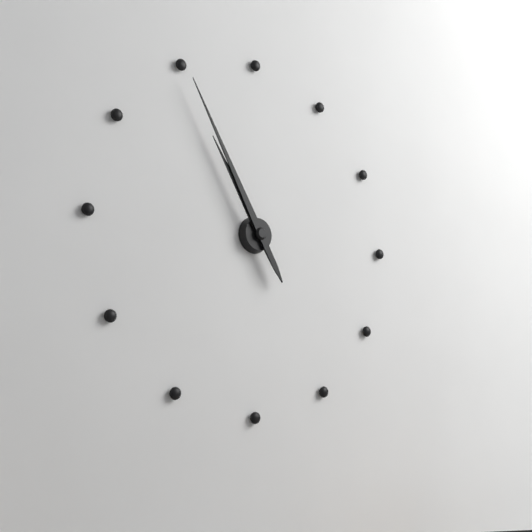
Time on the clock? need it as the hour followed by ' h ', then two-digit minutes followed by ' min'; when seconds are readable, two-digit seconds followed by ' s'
10 h 55 min
